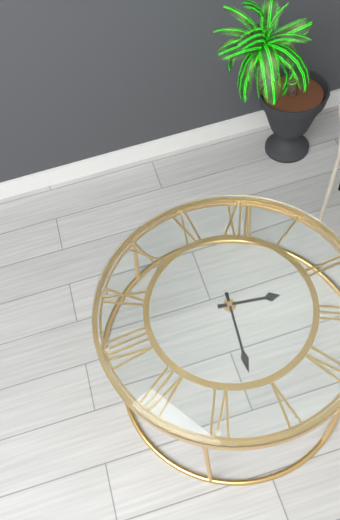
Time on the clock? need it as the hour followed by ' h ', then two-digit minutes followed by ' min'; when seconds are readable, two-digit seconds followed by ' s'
2 h 27 min
